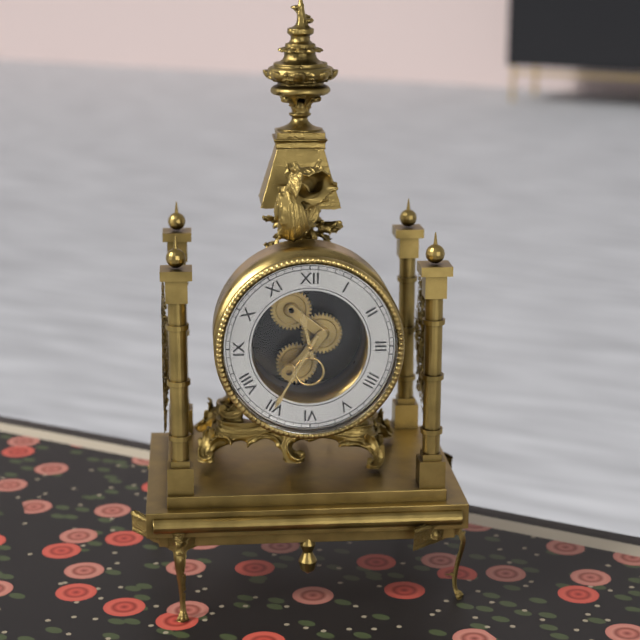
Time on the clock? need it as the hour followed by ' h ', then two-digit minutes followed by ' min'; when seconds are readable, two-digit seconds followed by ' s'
11 h 35 min
